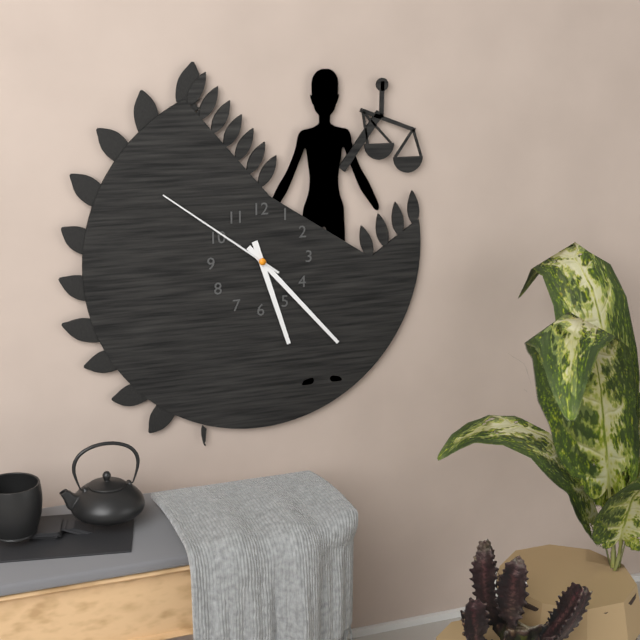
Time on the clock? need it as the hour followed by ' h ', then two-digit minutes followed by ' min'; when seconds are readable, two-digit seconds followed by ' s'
5 h 23 min 51 s
